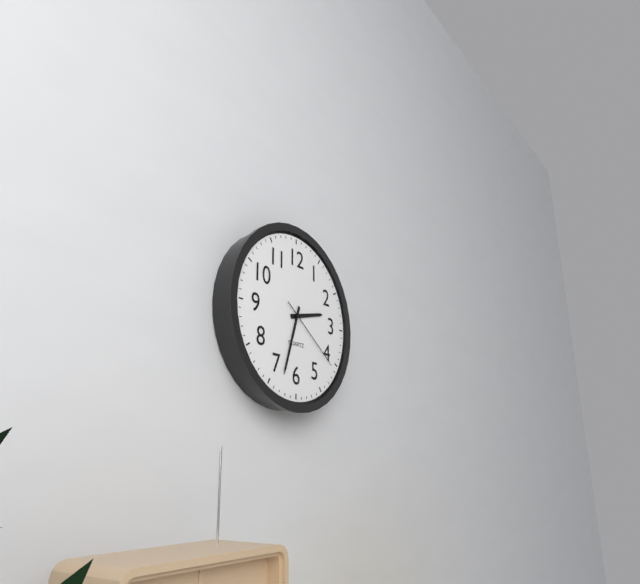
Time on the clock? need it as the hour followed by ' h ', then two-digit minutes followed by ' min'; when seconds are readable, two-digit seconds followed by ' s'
2 h 33 min 21 s
